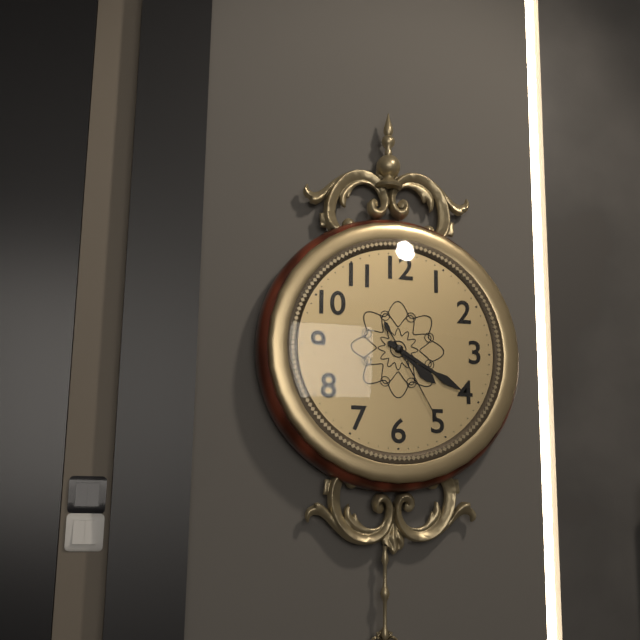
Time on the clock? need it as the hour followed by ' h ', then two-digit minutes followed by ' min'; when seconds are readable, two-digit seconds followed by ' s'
4 h 20 min 25 s
